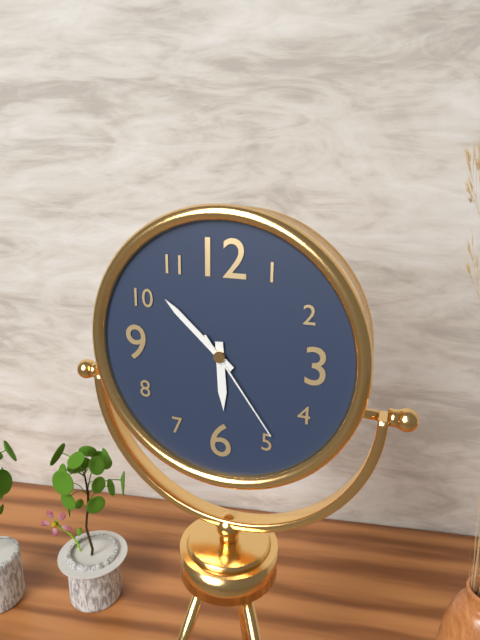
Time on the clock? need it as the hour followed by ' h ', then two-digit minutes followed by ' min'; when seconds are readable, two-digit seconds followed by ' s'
5 h 52 min 24 s
